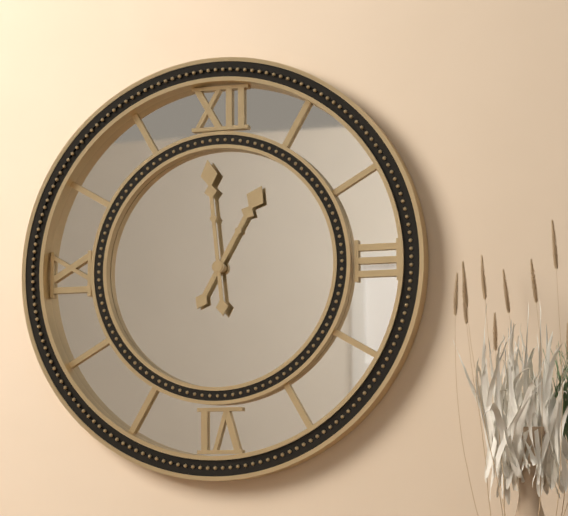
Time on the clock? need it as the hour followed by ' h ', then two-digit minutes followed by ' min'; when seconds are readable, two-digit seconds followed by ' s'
12 h 59 min
